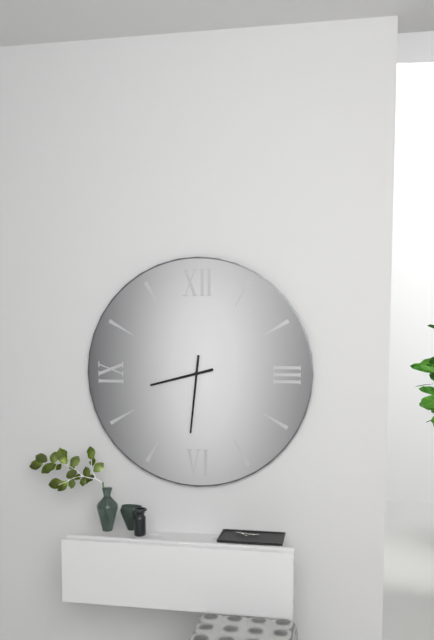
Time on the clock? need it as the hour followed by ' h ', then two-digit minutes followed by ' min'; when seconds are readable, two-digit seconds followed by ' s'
8 h 31 min
